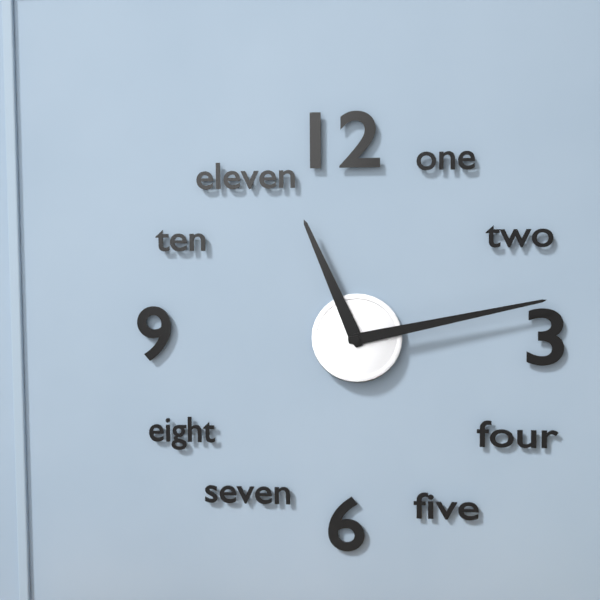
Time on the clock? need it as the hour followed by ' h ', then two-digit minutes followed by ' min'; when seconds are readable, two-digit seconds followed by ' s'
11 h 13 min
